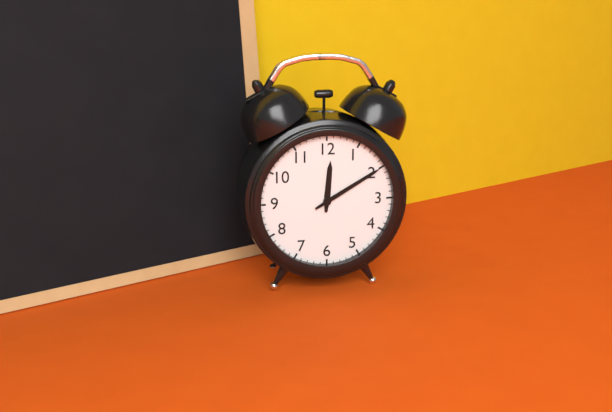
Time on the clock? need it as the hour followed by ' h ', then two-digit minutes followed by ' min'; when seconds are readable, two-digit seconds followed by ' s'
12 h 10 min
